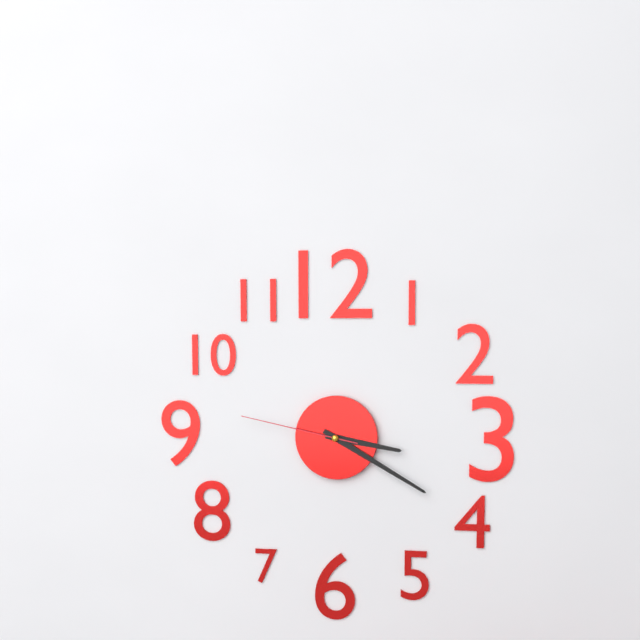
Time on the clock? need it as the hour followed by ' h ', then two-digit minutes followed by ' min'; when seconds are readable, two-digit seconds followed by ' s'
3 h 20 min 47 s
